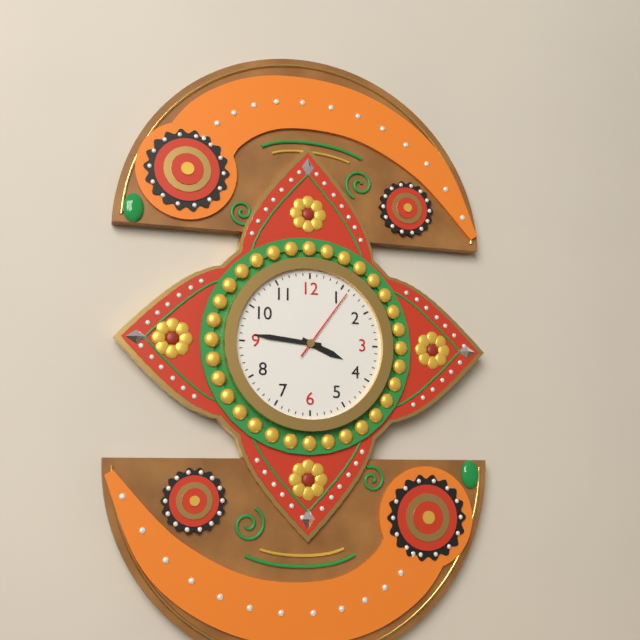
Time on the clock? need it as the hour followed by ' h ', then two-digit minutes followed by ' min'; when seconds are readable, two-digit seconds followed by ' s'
3 h 46 min 06 s
